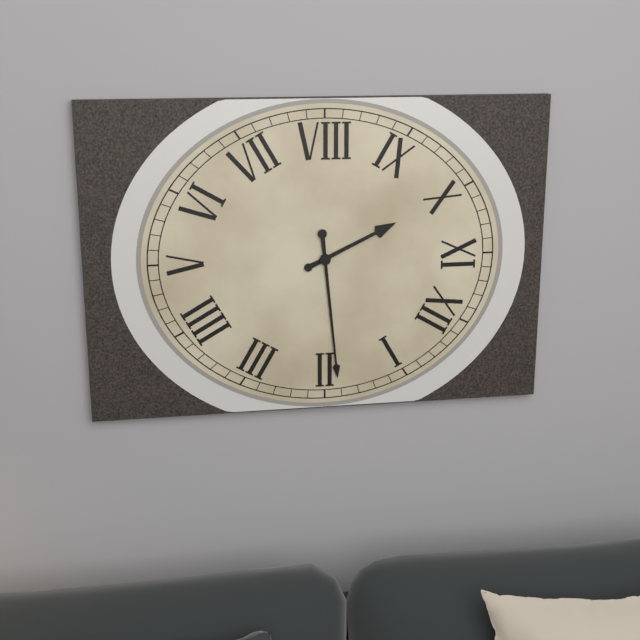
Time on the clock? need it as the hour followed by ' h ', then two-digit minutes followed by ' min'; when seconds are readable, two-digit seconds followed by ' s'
10 h 09 min
